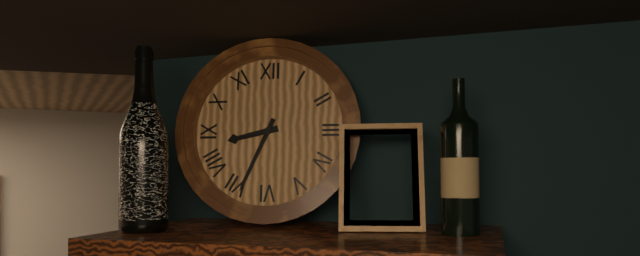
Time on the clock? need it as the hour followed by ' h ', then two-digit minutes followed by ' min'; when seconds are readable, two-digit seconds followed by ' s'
8 h 34 min
